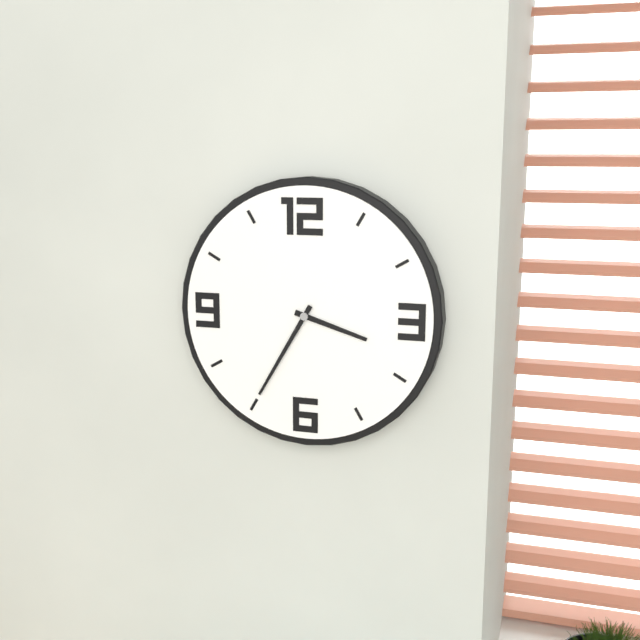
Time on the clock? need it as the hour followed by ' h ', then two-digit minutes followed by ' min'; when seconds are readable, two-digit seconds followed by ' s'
3 h 35 min
